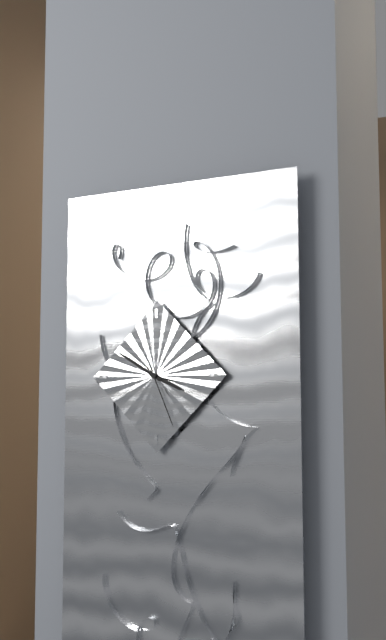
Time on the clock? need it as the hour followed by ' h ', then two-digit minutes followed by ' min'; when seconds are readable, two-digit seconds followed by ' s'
3 h 50 min 26 s
